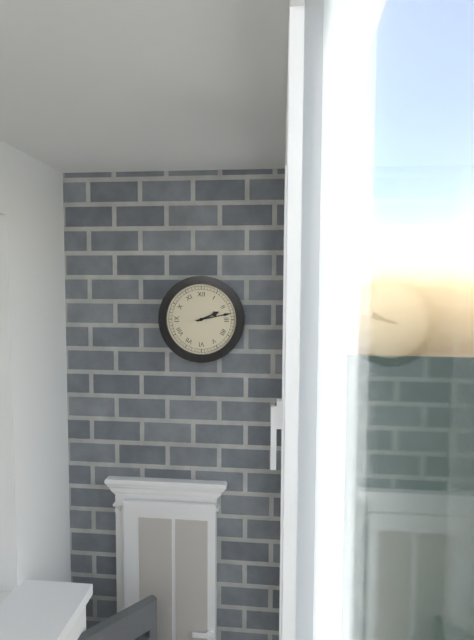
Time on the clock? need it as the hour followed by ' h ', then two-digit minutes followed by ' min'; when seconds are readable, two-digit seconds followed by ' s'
2 h 13 min
